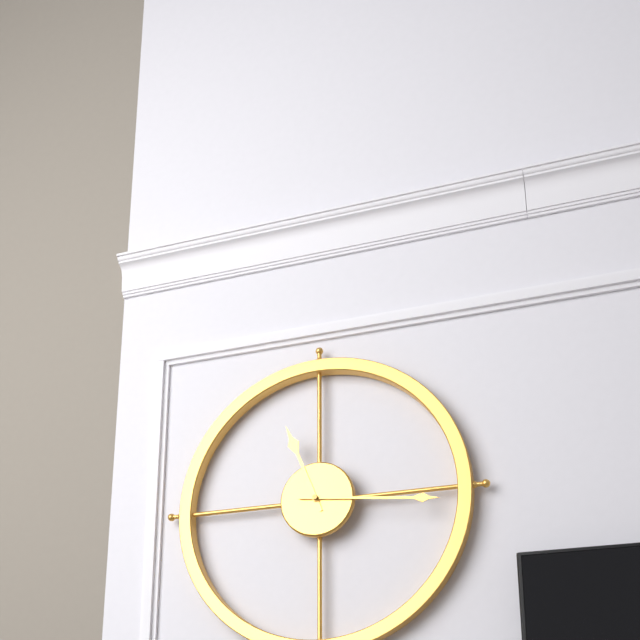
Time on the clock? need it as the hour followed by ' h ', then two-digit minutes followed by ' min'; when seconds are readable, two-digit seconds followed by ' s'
11 h 16 min
